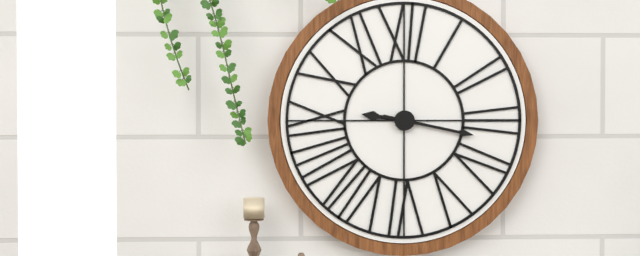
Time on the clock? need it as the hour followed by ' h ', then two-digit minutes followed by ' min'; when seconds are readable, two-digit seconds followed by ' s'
9 h 17 min
